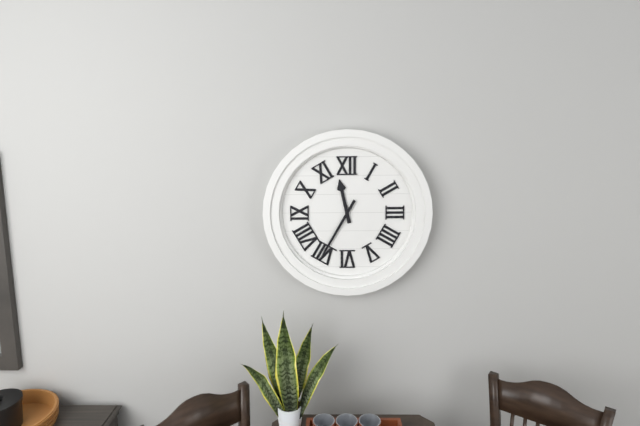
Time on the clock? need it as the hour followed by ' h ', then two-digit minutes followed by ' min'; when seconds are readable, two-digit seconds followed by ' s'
11 h 35 min
